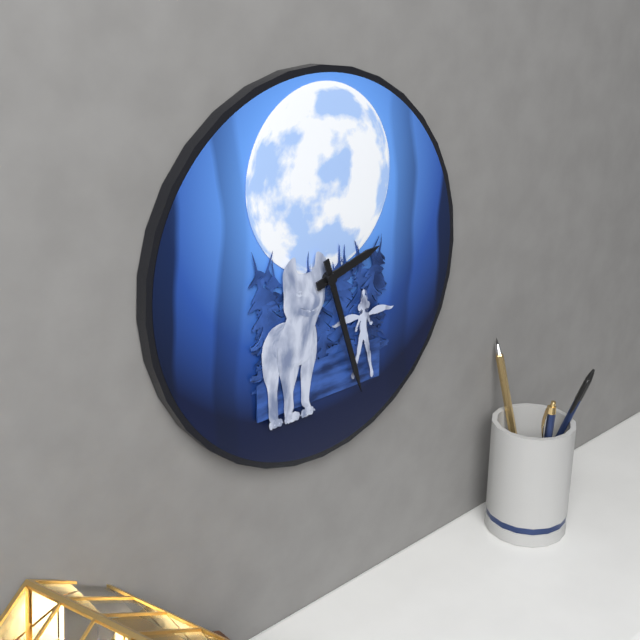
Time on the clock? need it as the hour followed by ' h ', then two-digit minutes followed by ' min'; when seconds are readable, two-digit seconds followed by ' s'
2 h 27 min
